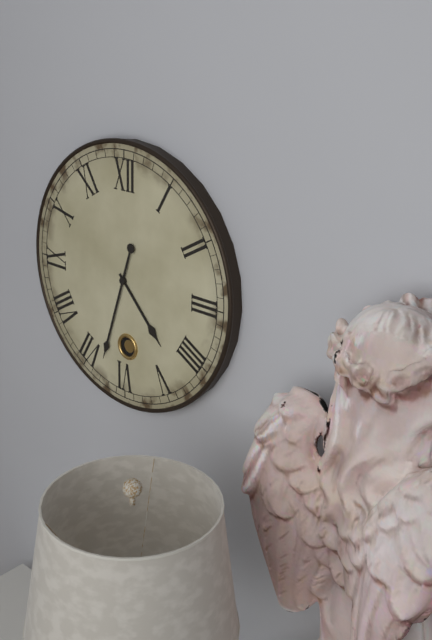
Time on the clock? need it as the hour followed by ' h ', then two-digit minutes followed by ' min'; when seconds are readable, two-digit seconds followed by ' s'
4 h 33 min
